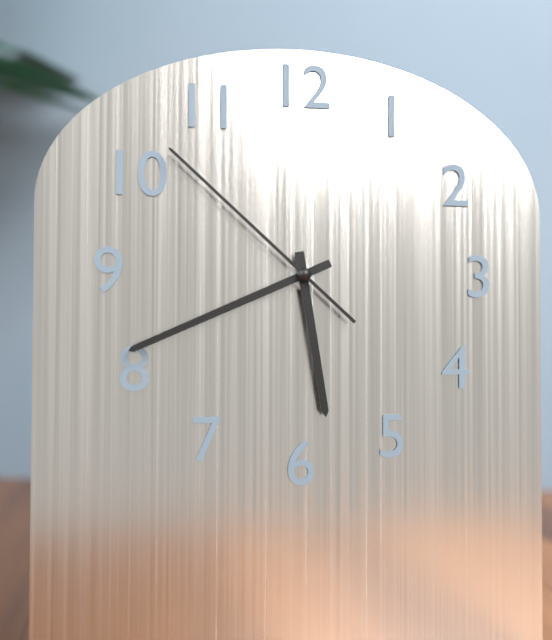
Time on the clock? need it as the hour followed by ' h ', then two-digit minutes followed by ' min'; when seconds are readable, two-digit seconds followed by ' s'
5 h 41 min 52 s
